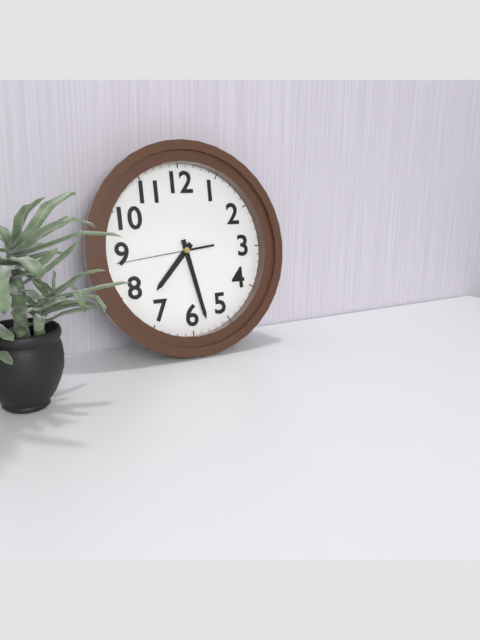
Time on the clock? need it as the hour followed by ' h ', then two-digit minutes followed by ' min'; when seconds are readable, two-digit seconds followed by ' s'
7 h 28 min 44 s
